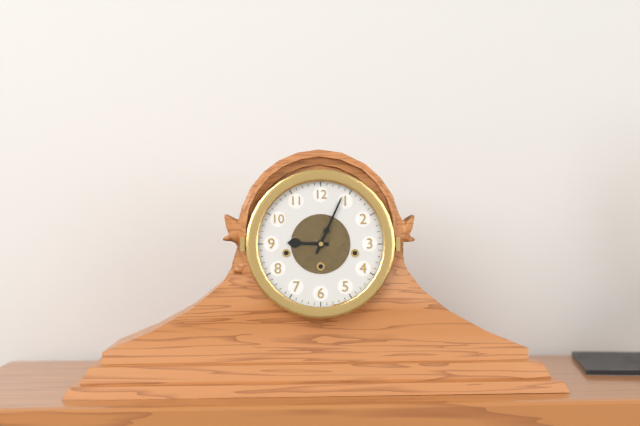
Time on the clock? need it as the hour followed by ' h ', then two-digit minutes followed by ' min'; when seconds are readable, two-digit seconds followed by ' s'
9 h 04 min
